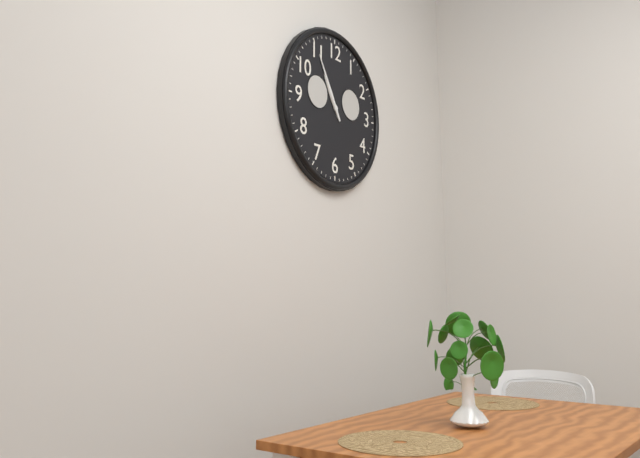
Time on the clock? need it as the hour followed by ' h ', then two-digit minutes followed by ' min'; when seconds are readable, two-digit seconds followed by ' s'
10 h 55 min
